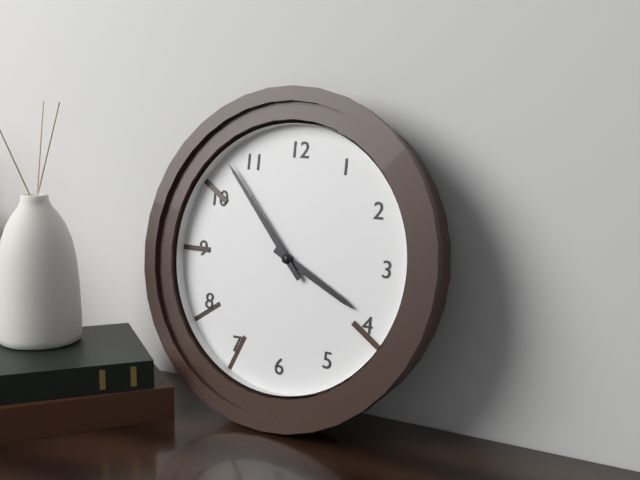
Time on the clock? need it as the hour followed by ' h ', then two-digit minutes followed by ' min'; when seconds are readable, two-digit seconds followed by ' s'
3 h 53 min
